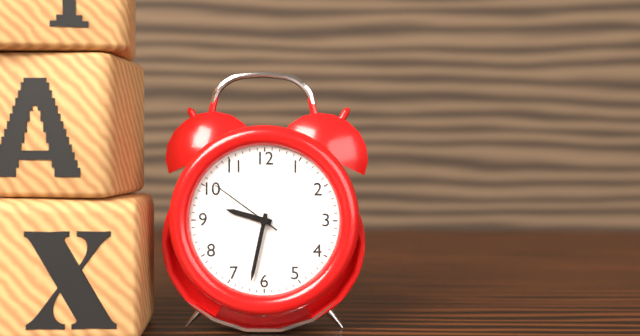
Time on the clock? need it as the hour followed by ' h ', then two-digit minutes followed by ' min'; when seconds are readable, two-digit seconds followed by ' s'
9 h 32 min 51 s
